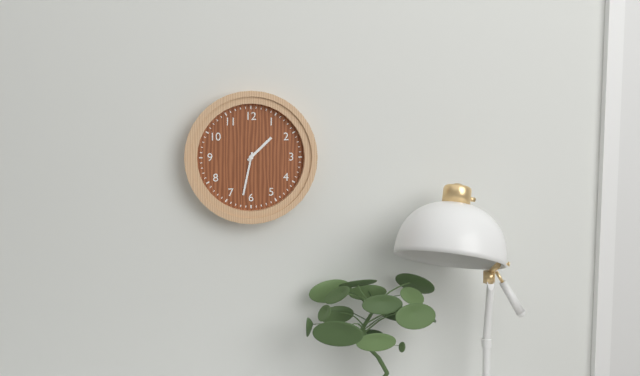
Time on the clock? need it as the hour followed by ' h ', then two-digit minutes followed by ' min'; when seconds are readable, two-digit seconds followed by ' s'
1 h 32 min
